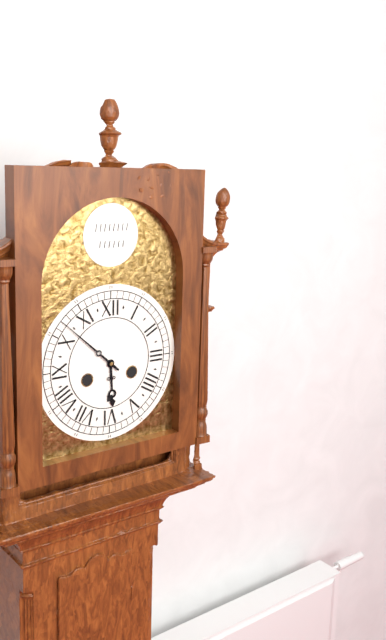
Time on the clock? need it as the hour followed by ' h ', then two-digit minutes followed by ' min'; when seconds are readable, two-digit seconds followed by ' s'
5 h 52 min
